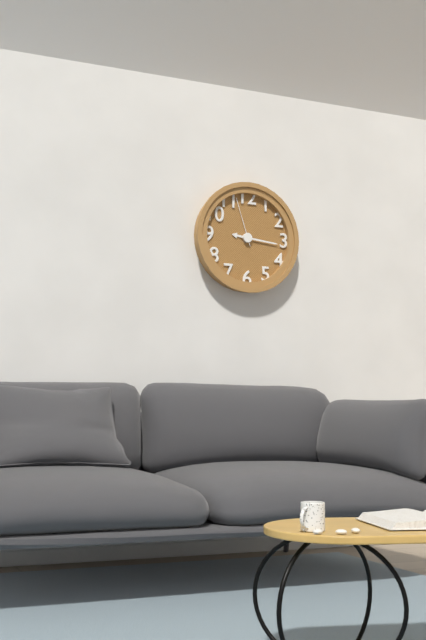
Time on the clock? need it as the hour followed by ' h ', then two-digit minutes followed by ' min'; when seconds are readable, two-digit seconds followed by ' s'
9 h 16 min 57 s
